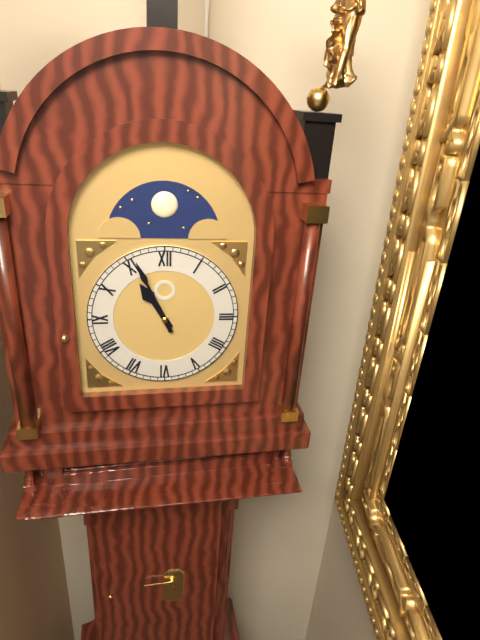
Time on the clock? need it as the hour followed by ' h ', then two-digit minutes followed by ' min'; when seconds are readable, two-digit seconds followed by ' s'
10 h 56 min
